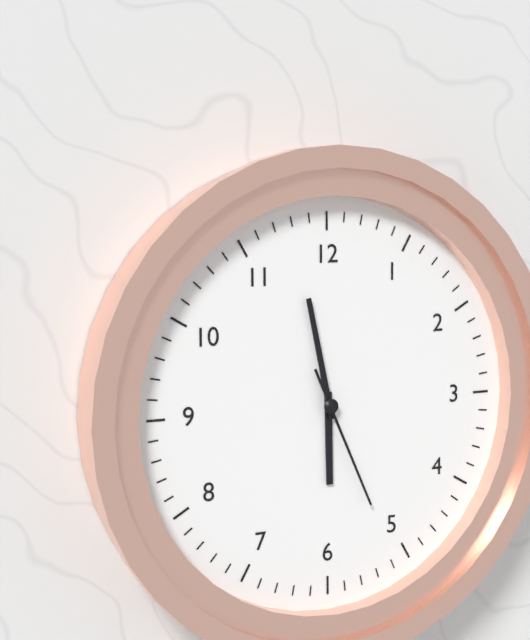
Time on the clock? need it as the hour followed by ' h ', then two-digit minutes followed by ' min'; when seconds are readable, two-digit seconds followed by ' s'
5 h 58 min 26 s
